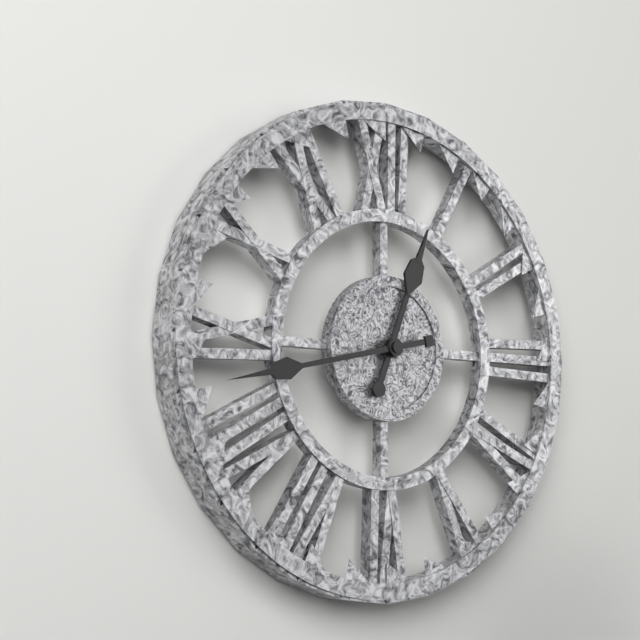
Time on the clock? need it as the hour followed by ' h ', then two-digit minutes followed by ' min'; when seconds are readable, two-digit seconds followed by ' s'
12 h 43 min
